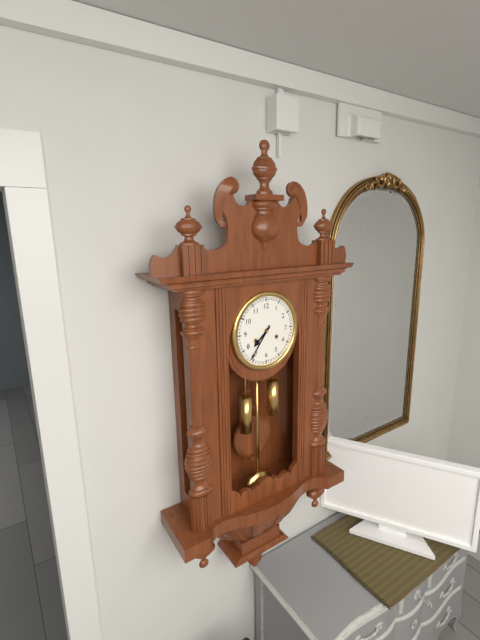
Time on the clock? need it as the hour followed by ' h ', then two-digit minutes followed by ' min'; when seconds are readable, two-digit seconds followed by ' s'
7 h 36 min
